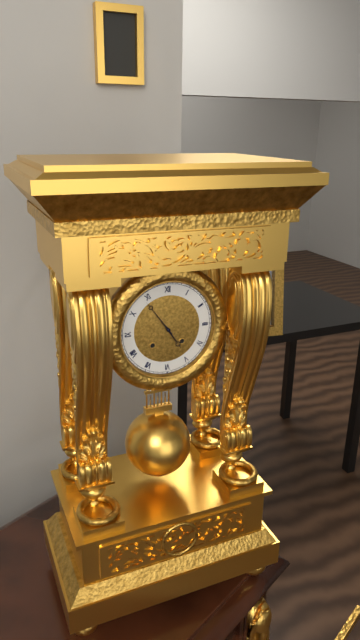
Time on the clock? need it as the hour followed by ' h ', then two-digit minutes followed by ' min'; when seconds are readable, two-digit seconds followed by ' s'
4 h 54 min
